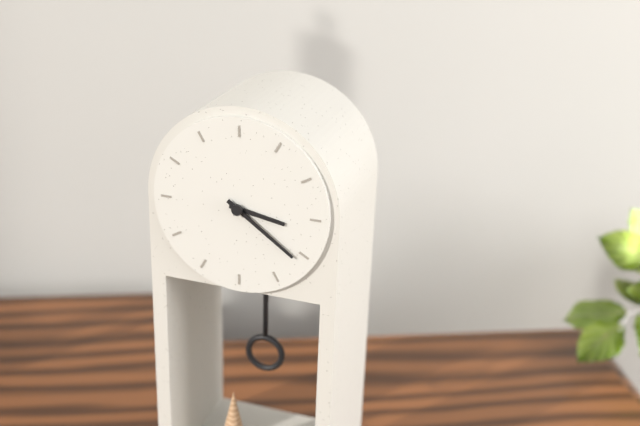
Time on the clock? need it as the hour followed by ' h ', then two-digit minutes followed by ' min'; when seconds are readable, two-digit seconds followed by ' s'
3 h 21 min
